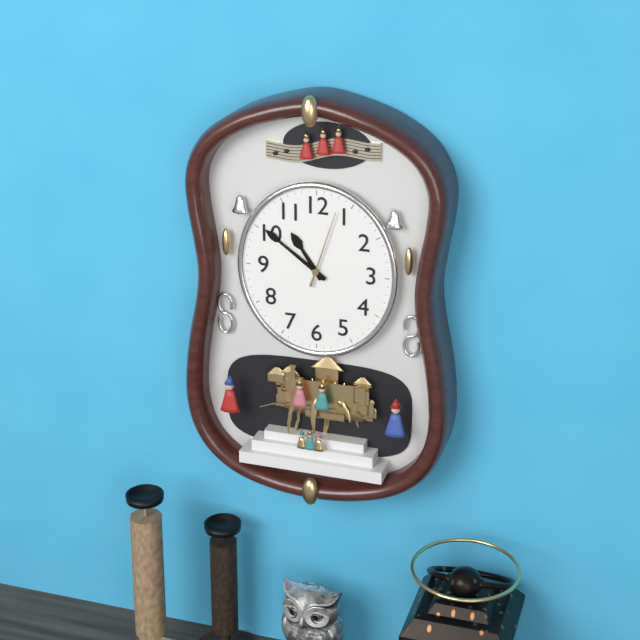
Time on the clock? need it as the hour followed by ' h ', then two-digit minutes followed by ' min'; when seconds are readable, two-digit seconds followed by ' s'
10 h 51 min 03 s
